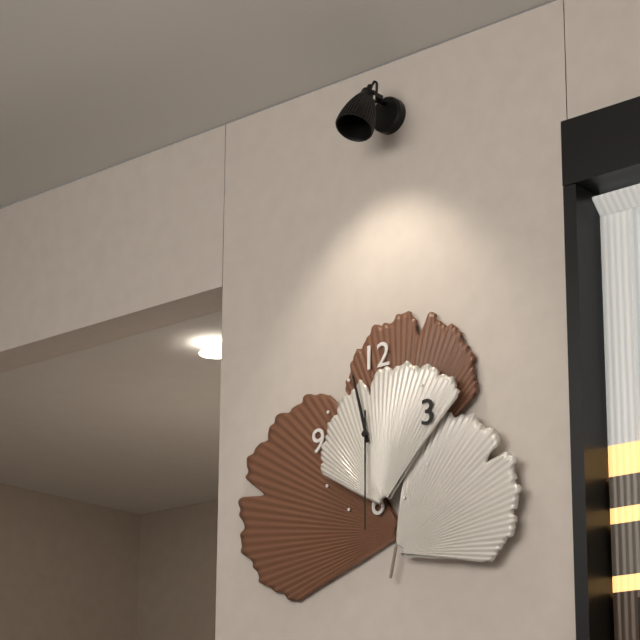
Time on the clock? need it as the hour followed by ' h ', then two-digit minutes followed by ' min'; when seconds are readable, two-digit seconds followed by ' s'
11 h 30 min
